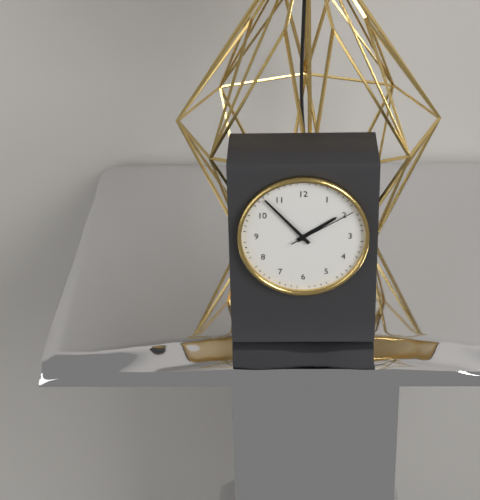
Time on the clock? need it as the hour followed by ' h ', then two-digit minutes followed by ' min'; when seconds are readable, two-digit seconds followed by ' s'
1 h 53 min 10 s
